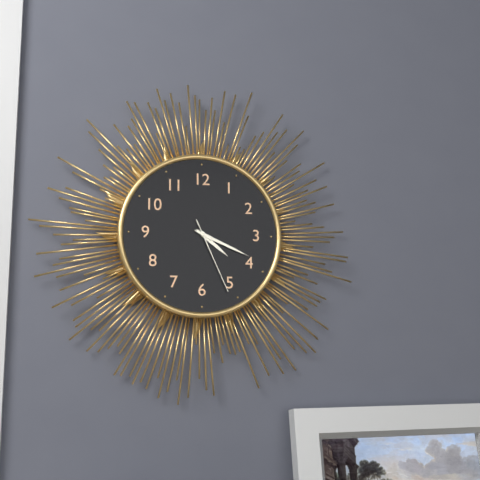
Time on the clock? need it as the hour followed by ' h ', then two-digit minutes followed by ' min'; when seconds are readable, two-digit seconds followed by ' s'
4 h 19 min 26 s
